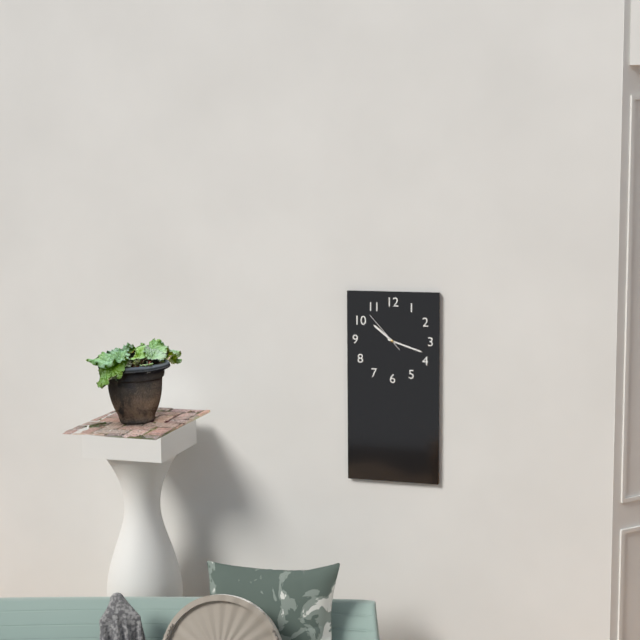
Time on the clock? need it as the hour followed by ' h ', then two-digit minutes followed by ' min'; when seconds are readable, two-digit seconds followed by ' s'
10 h 18 min
